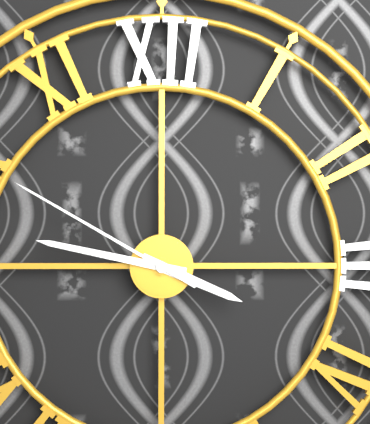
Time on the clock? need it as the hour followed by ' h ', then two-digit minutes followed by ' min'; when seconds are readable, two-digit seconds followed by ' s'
3 h 47 min 50 s
